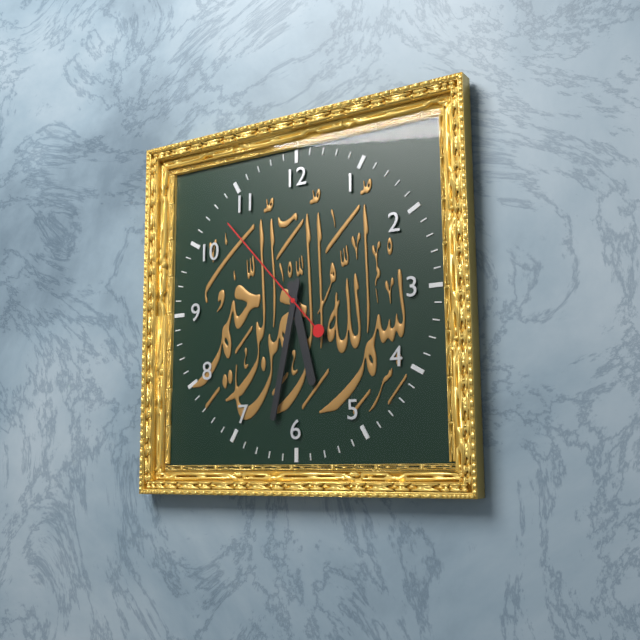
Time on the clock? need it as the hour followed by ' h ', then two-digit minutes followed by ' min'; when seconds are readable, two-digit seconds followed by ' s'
5 h 32 min 53 s
